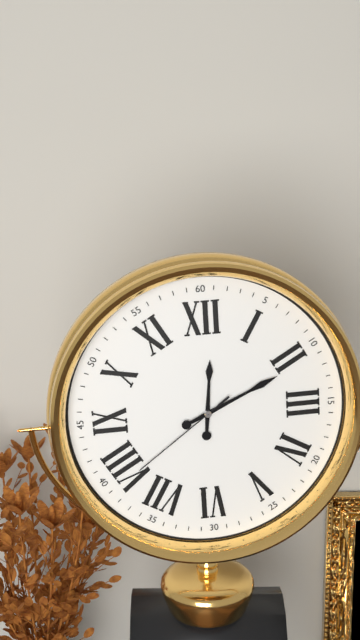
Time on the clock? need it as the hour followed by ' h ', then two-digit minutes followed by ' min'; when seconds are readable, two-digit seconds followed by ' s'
12 h 11 min 39 s
